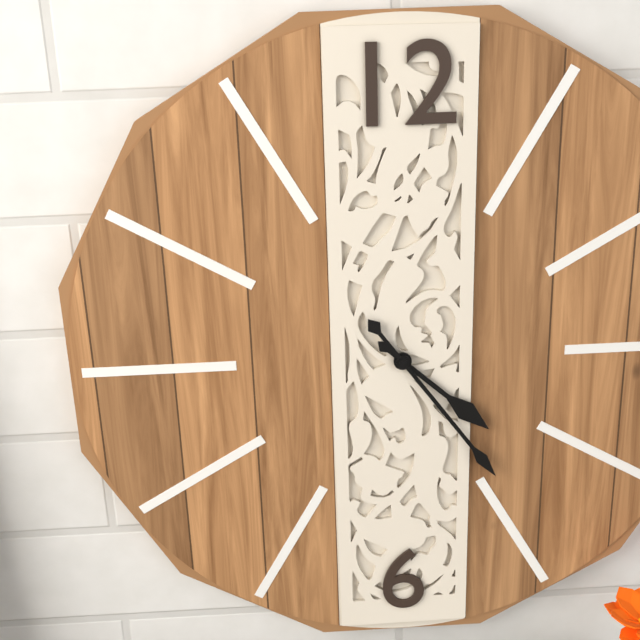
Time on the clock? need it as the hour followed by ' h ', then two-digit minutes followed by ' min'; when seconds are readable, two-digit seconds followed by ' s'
4 h 24 min
